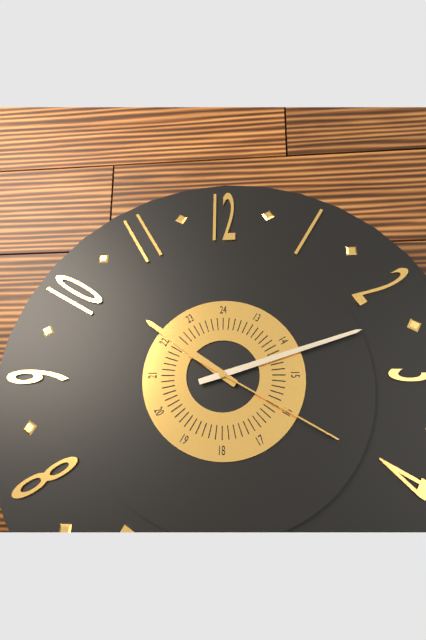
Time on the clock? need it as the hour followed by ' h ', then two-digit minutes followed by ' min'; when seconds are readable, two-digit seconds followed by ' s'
10 h 12 min 20 s
